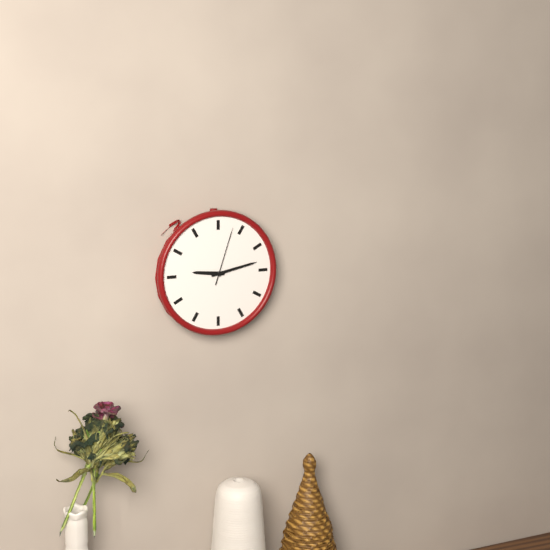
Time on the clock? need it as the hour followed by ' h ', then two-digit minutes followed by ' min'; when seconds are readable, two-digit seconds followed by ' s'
9 h 13 min 03 s
